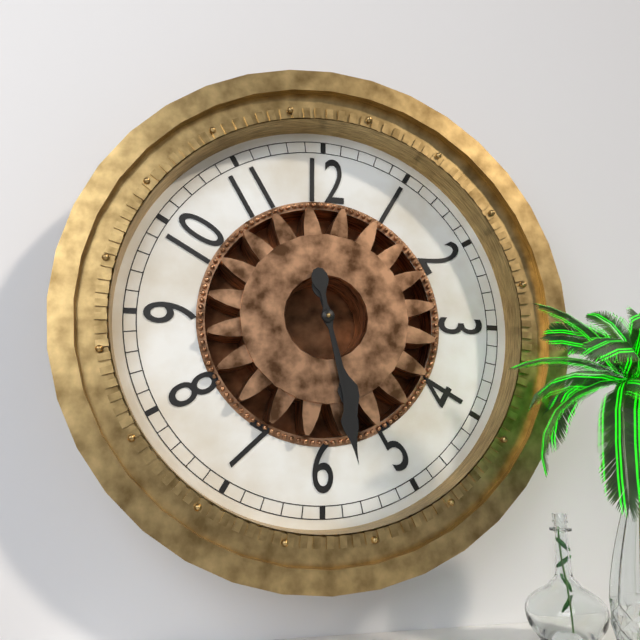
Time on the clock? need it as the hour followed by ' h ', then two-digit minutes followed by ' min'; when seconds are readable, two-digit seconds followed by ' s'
5 h 28 min
